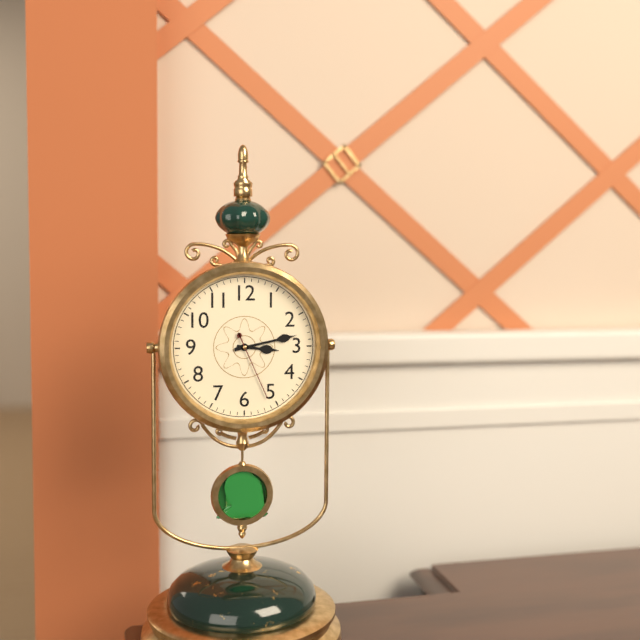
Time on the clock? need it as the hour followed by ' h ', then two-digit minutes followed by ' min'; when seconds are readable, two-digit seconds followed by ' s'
3 h 13 min 26 s
